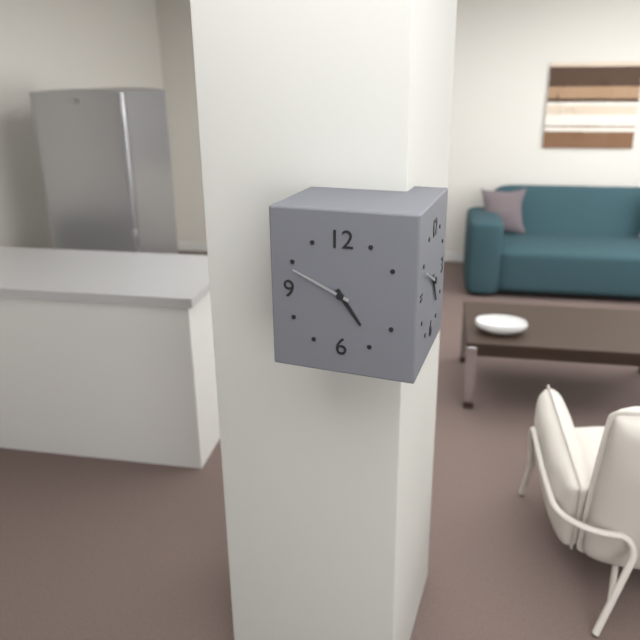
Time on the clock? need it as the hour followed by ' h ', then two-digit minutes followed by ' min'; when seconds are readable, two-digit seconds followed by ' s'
4 h 49 min
